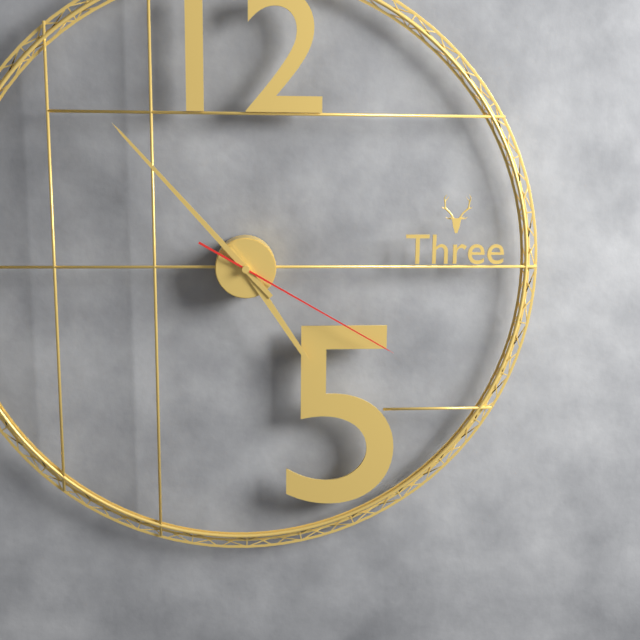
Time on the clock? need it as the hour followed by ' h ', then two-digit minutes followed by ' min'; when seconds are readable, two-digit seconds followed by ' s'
4 h 53 min 20 s
